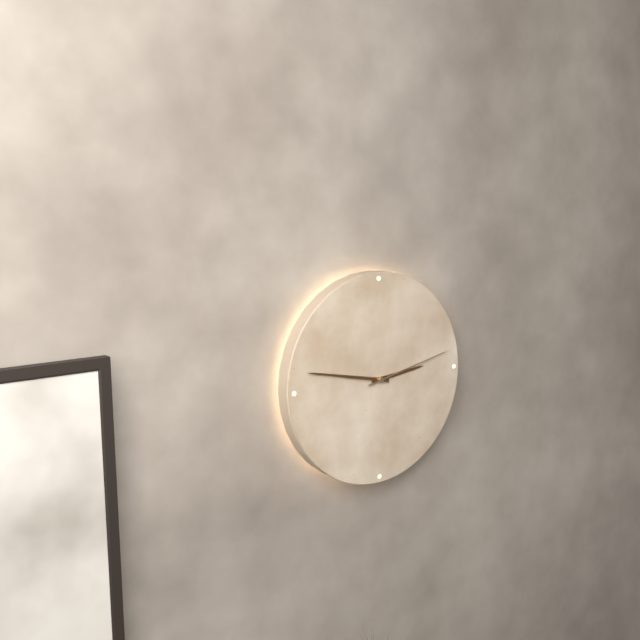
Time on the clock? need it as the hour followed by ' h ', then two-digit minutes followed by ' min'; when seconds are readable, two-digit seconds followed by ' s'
2 h 47 min 13 s
